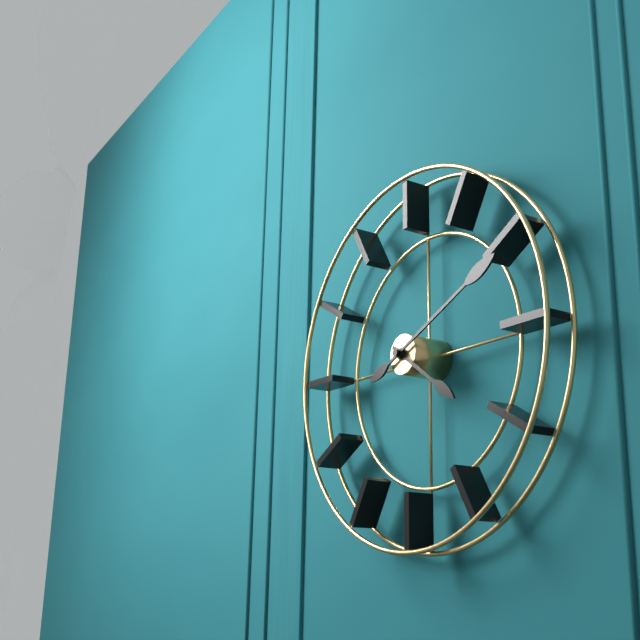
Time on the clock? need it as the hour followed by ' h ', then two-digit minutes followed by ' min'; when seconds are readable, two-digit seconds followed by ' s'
4 h 11 min
